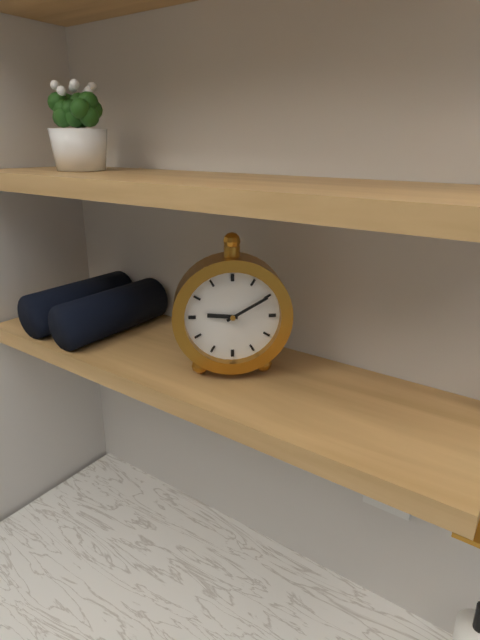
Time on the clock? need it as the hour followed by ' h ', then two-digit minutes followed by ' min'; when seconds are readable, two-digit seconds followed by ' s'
9 h 10 min
